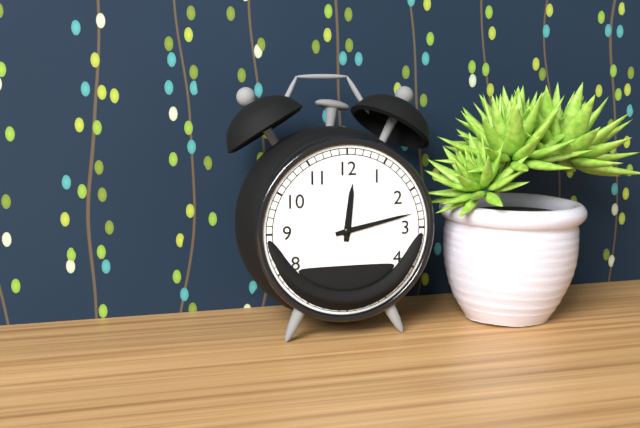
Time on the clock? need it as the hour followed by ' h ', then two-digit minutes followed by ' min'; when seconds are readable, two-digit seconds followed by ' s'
12 h 13 min
